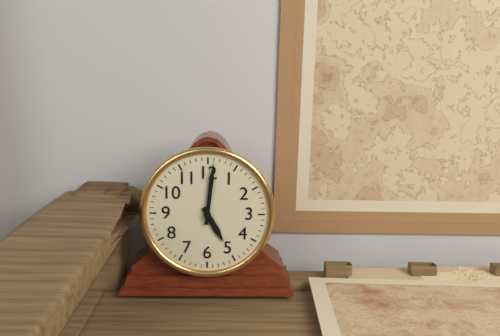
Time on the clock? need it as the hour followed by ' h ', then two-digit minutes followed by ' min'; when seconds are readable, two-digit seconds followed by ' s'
5 h 01 min
